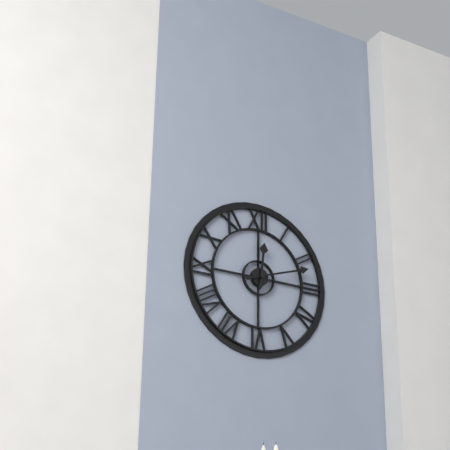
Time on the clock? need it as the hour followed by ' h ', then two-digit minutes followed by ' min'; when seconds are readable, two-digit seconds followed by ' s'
12 h 12 min
